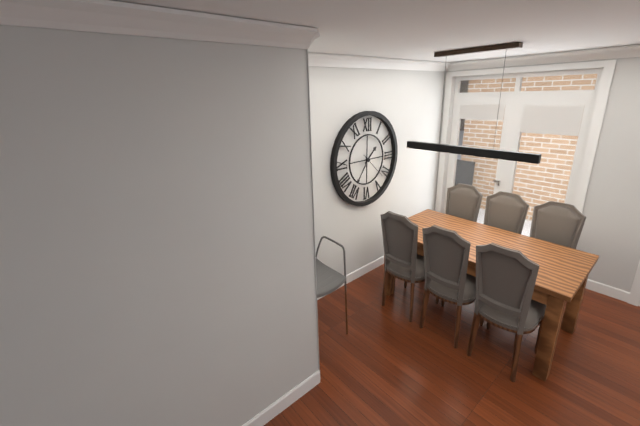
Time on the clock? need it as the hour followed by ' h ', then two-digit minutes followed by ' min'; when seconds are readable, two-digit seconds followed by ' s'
1 h 36 min
